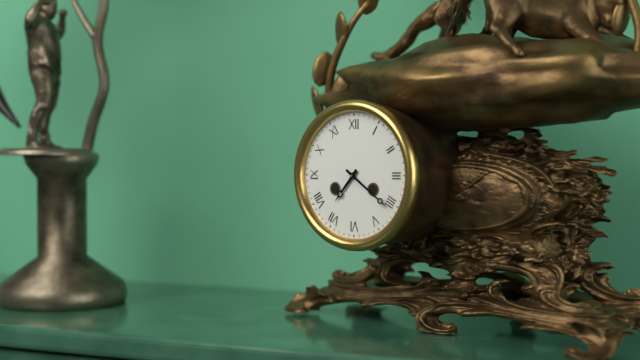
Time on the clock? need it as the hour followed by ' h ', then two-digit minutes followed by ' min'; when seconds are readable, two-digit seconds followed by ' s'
7 h 21 min
